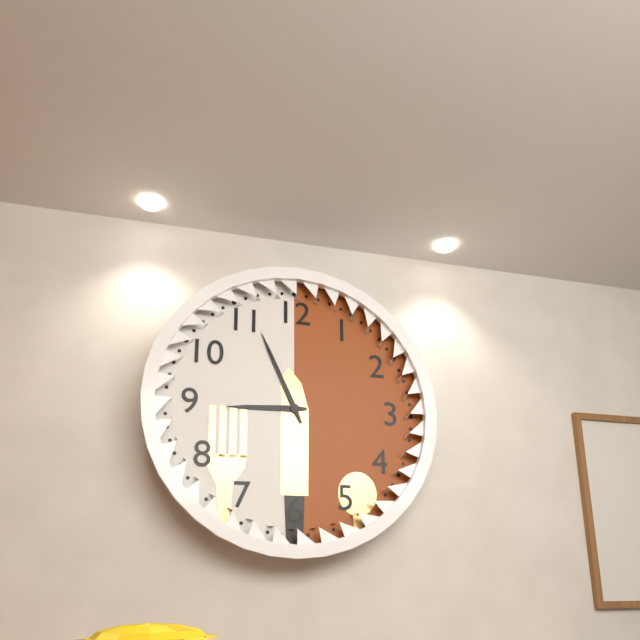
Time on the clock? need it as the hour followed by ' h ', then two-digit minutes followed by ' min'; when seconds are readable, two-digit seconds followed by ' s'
8 h 56 min
